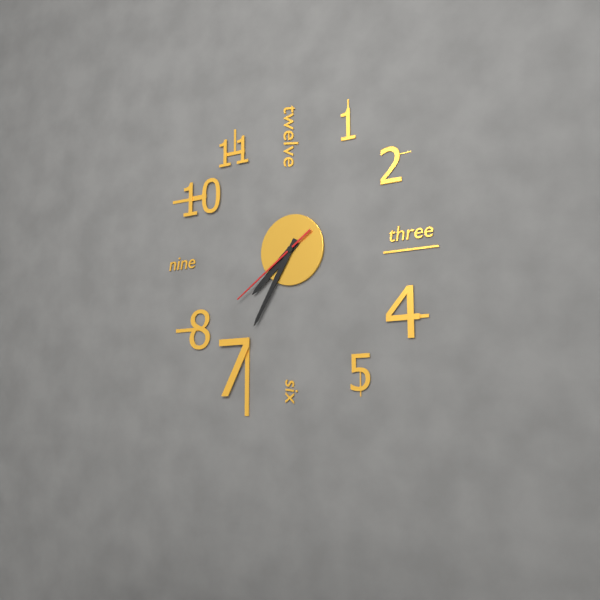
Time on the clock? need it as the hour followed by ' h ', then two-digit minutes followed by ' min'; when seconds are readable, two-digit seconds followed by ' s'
7 h 35 min 39 s
